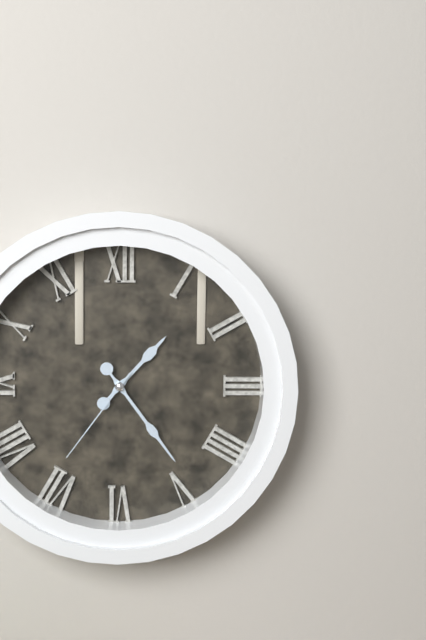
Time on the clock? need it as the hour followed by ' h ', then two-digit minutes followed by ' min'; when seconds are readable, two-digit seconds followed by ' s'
1 h 24 min 36 s
